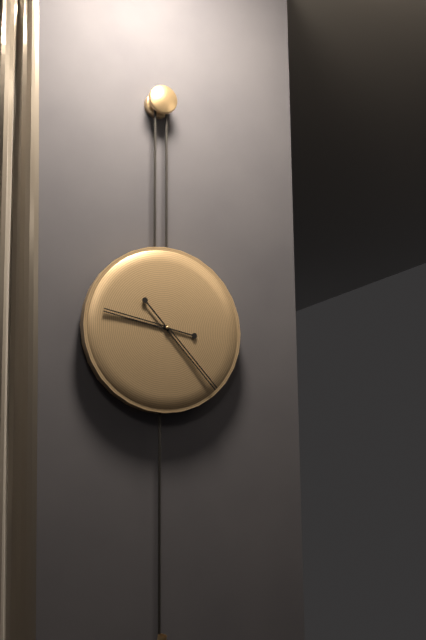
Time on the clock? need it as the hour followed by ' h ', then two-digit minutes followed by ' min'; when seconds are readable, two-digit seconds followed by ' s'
9 h 23 min
